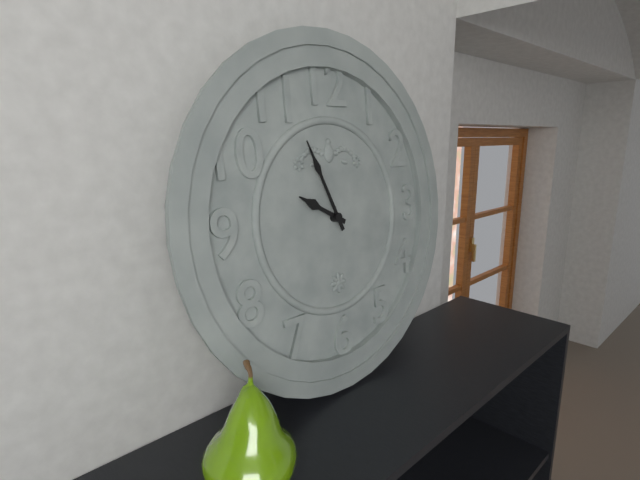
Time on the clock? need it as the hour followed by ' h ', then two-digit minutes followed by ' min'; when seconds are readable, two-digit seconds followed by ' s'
9 h 56 min
